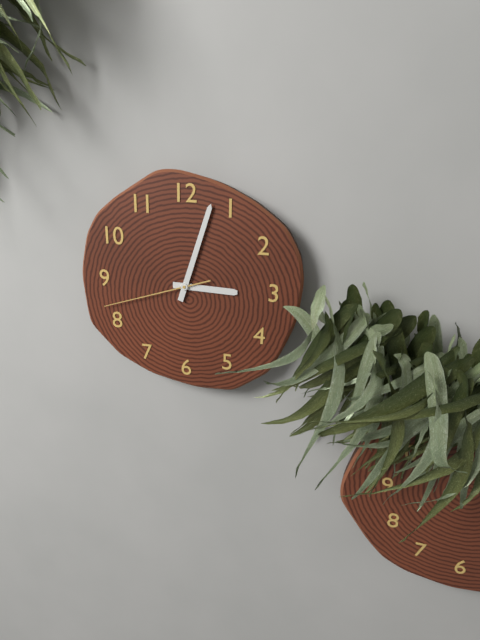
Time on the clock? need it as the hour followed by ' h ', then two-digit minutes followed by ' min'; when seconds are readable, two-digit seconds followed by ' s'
3 h 03 min 42 s
